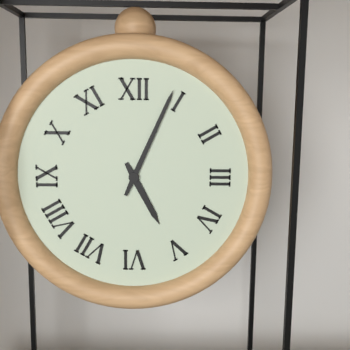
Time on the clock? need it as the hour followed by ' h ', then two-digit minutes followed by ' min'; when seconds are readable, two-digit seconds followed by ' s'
5 h 04 min
